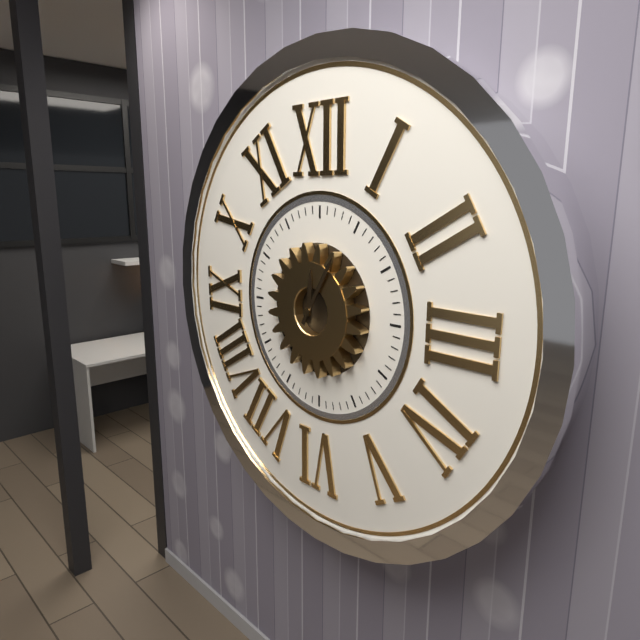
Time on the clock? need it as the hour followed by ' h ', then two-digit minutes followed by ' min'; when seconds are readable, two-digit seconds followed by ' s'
12 h 05 min
